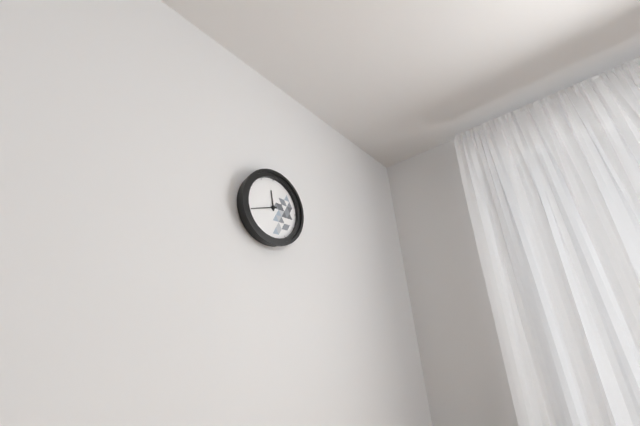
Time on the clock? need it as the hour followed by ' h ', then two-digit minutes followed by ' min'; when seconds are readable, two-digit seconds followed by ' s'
11 h 42 min
